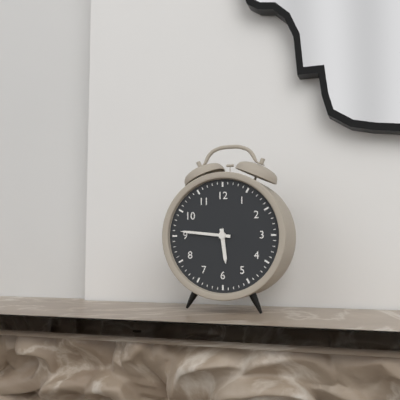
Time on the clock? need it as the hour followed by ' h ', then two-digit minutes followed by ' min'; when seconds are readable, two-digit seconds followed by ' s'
5 h 46 min
